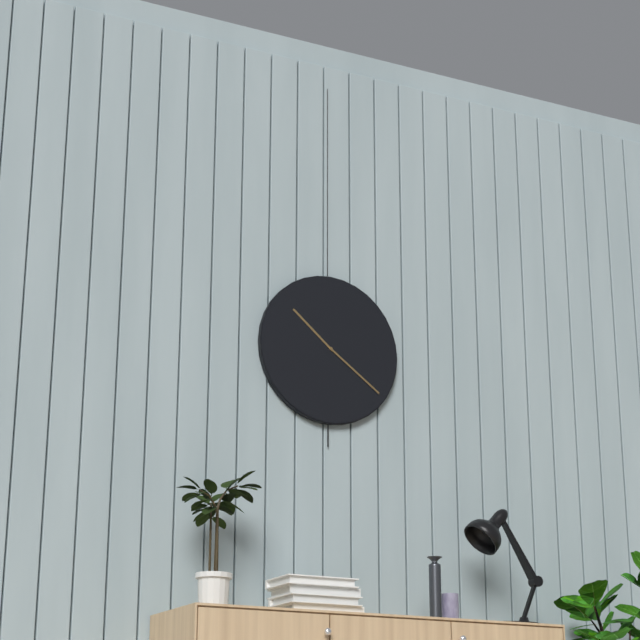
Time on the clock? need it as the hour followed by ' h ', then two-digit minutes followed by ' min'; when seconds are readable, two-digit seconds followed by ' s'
10 h 21 min
